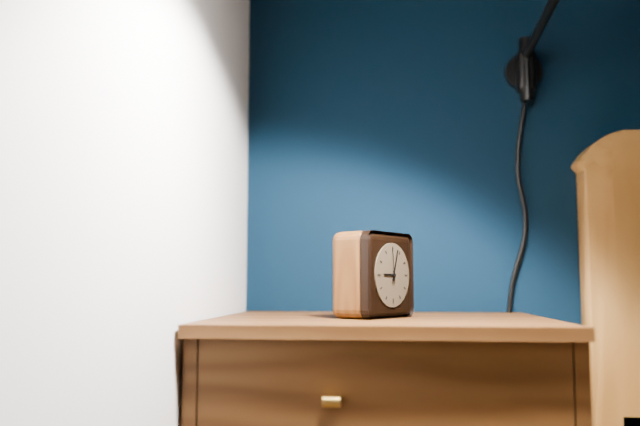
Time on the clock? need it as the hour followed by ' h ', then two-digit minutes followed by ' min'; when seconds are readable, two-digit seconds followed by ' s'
9 h 03 min
